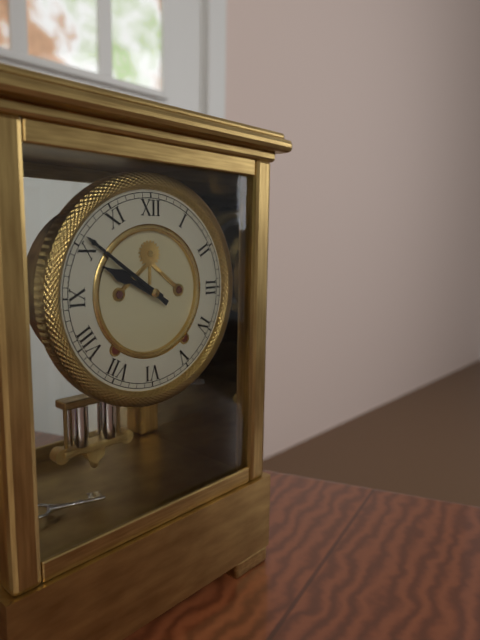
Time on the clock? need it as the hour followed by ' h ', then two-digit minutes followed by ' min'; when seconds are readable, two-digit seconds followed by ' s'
9 h 51 min
